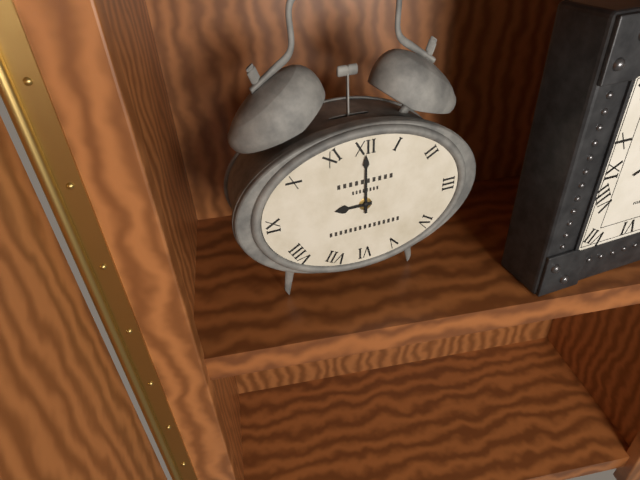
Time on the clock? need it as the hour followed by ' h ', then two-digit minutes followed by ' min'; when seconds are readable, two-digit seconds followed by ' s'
9 h 00 min
